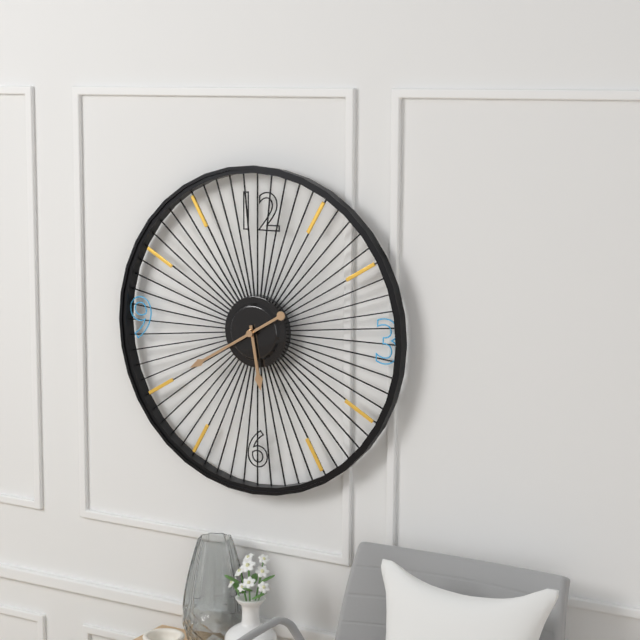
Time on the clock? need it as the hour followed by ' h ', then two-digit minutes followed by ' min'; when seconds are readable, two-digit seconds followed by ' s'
5 h 40 min
